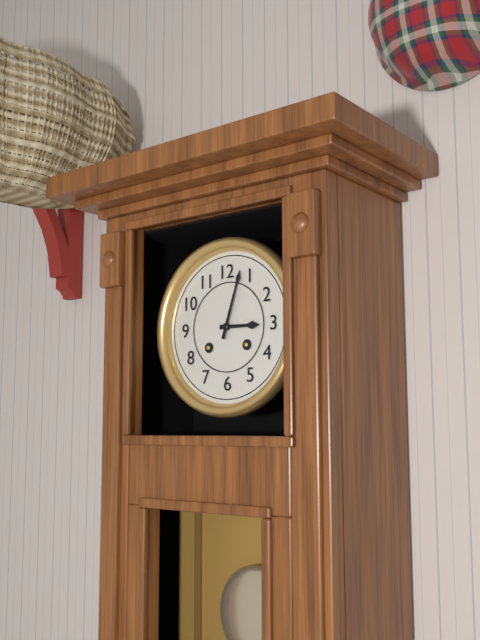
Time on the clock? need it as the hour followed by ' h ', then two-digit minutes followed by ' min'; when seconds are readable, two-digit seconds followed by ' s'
3 h 03 min
